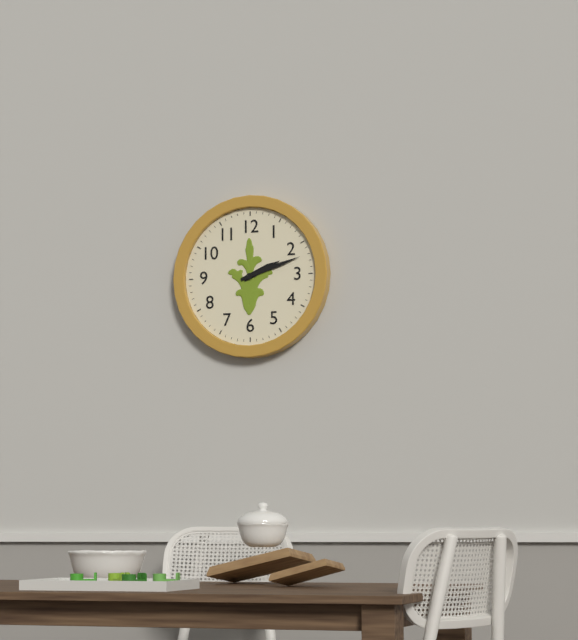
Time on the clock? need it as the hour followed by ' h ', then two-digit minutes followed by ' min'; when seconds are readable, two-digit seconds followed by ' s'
2 h 12 min
